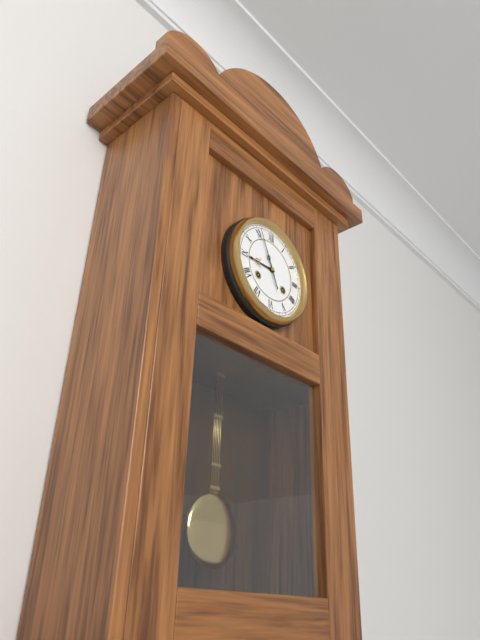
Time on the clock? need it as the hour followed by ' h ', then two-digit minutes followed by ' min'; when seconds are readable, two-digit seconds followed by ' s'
8 h 56 min
